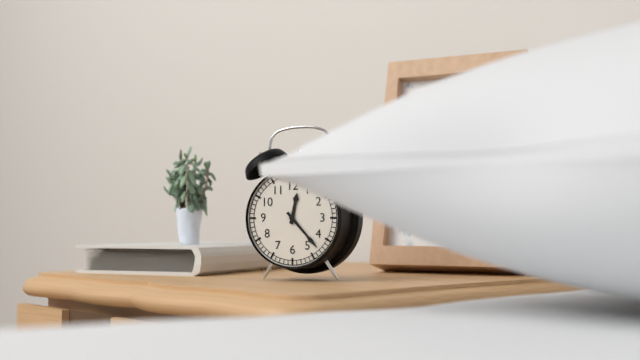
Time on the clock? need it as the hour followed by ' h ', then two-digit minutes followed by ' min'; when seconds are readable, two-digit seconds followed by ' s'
12 h 23 min
